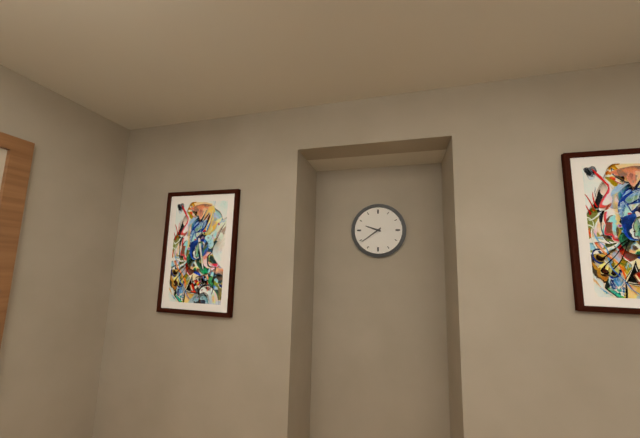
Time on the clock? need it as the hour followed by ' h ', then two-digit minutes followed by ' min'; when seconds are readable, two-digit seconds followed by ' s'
9 h 39 min
